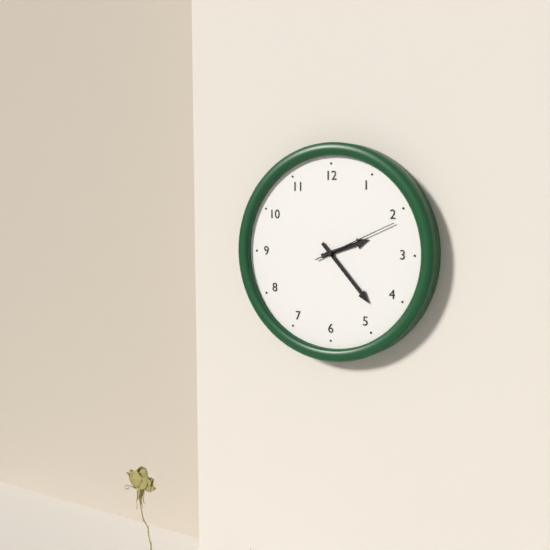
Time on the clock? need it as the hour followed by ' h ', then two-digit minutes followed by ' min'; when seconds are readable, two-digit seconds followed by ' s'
2 h 23 min 11 s
